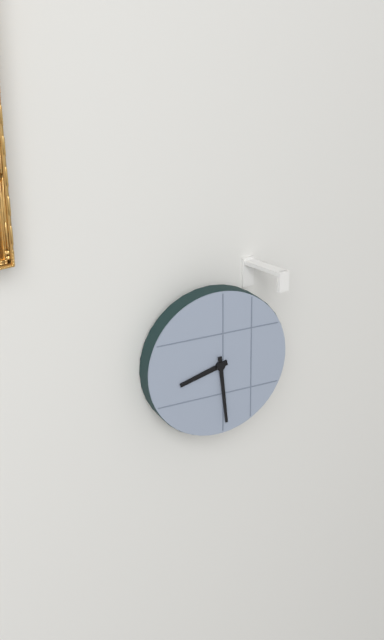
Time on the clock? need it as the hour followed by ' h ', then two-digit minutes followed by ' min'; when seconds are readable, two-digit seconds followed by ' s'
8 h 29 min
